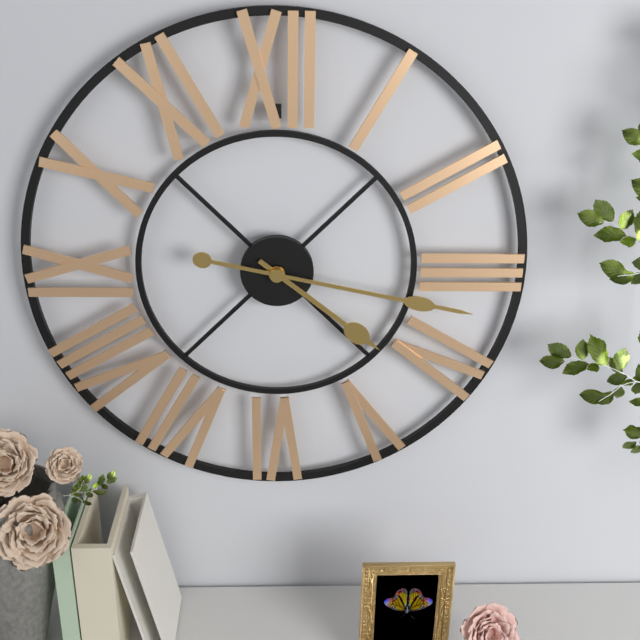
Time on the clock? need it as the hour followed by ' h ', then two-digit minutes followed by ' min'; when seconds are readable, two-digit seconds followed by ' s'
4 h 17 min
